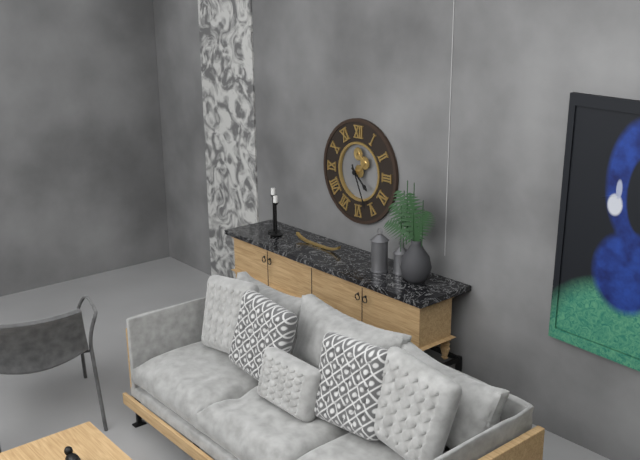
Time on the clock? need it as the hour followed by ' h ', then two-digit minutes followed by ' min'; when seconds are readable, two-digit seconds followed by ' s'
4 h 26 min
